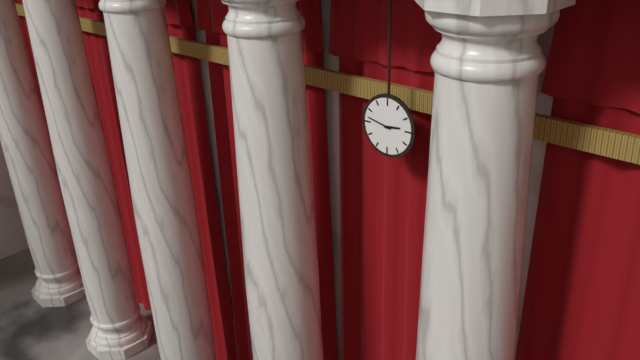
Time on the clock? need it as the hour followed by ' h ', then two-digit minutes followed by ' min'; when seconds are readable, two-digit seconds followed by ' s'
2 h 47 min
